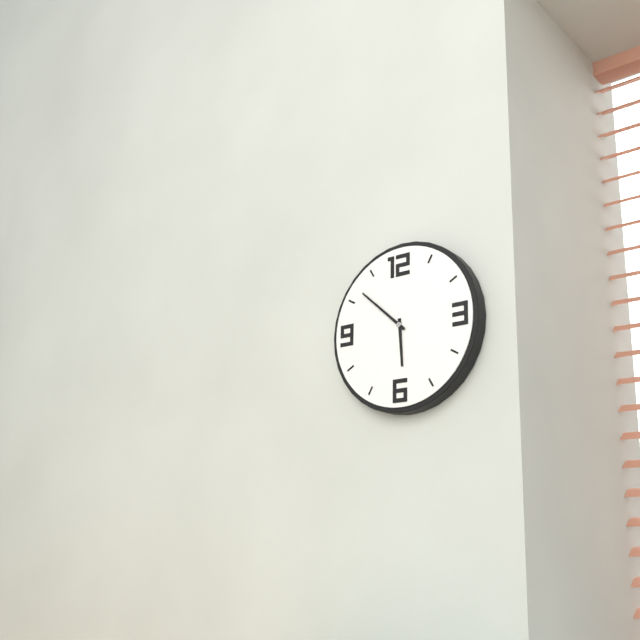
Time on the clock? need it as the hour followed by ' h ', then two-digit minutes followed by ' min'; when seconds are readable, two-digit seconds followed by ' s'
5 h 52 min
